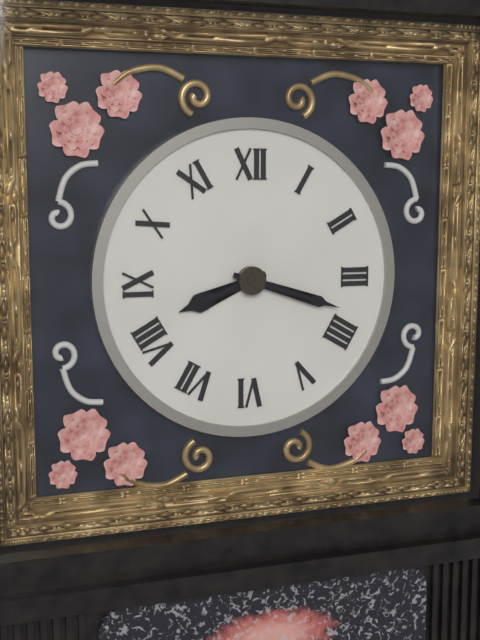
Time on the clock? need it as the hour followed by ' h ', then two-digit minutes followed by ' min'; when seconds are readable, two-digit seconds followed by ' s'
8 h 18 min
